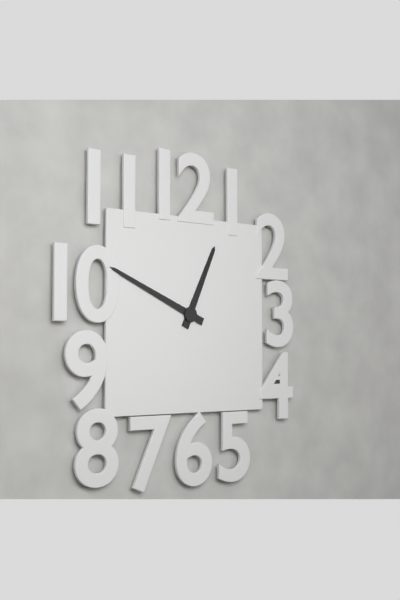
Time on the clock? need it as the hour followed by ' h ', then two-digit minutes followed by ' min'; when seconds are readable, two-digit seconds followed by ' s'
12 h 49 min
